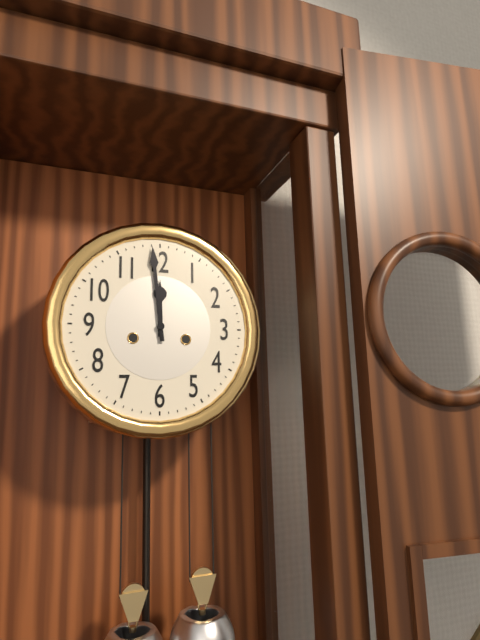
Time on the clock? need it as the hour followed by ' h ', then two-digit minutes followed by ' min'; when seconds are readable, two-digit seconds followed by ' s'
11 h 59 min
